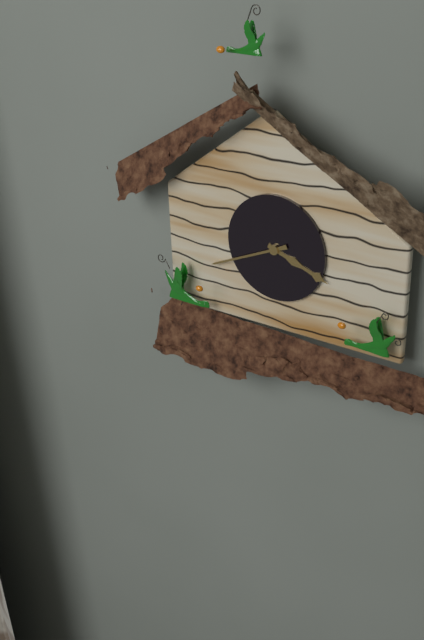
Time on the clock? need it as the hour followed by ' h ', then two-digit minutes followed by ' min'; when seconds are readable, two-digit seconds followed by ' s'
3 h 41 min
